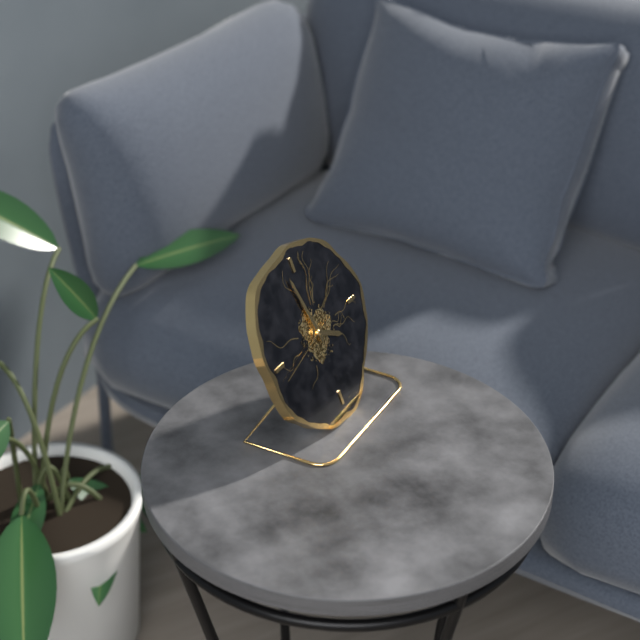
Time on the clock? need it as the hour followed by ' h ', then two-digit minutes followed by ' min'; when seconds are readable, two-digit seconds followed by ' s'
3 h 58 min 43 s
